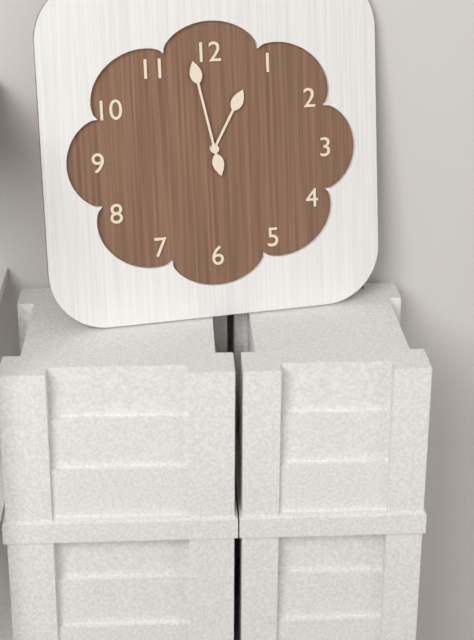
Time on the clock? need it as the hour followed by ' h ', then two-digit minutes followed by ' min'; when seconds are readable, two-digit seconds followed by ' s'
12 h 58 min
